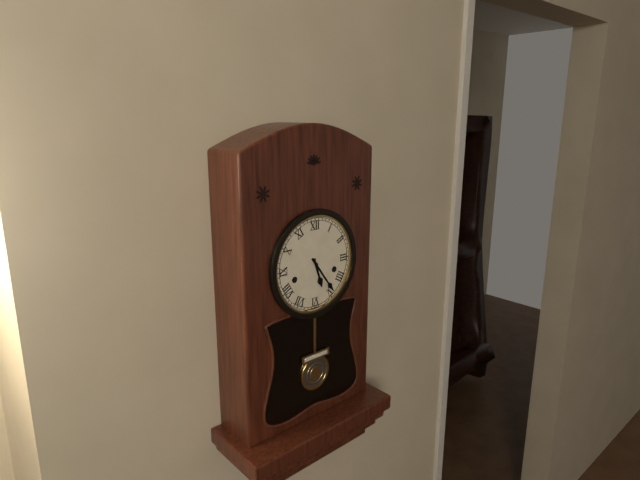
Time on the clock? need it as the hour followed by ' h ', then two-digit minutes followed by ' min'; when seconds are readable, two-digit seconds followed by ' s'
5 h 24 min
